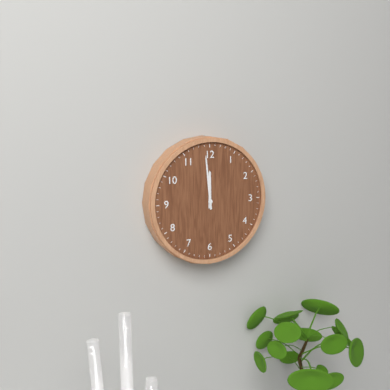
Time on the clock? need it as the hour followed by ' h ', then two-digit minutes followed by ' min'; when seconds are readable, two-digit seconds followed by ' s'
11 h 59 min
